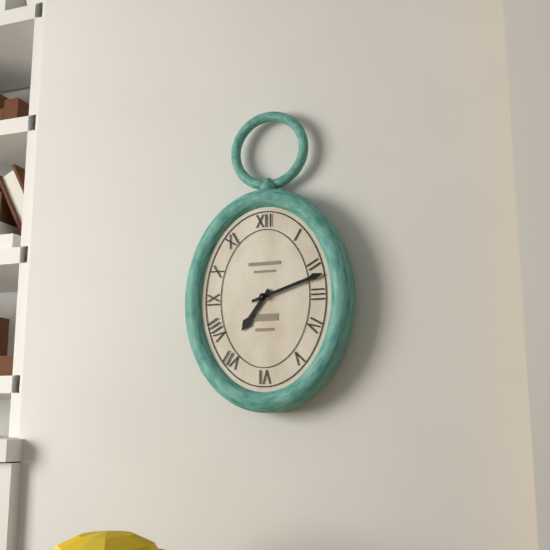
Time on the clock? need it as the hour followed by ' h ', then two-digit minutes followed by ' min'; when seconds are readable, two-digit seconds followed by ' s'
7 h 12 min
